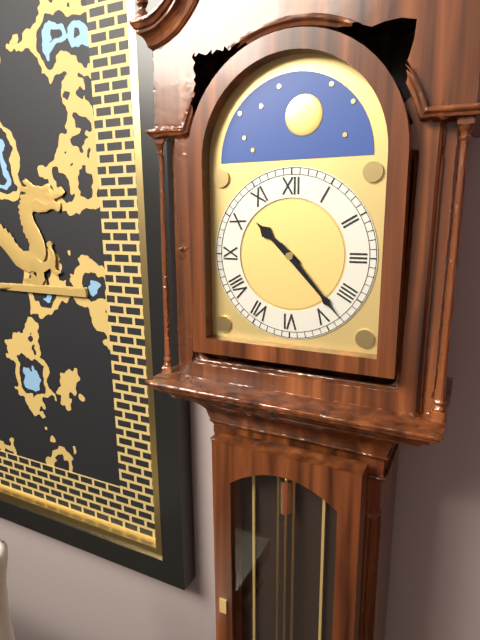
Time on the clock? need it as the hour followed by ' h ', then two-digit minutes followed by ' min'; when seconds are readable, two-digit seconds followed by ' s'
10 h 23 min
